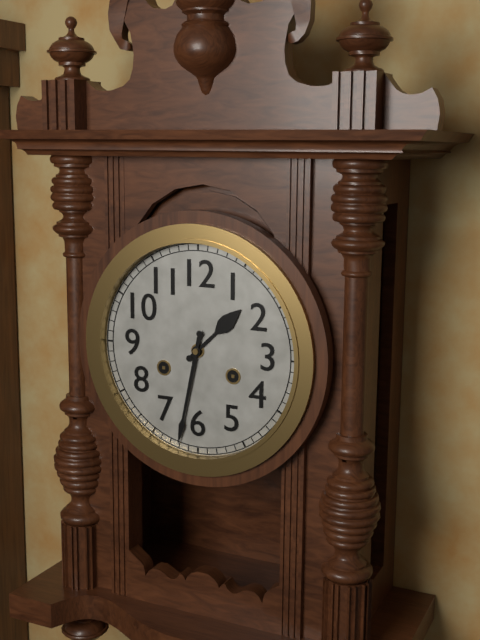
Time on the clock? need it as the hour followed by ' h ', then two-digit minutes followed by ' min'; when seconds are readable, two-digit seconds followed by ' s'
1 h 32 min
